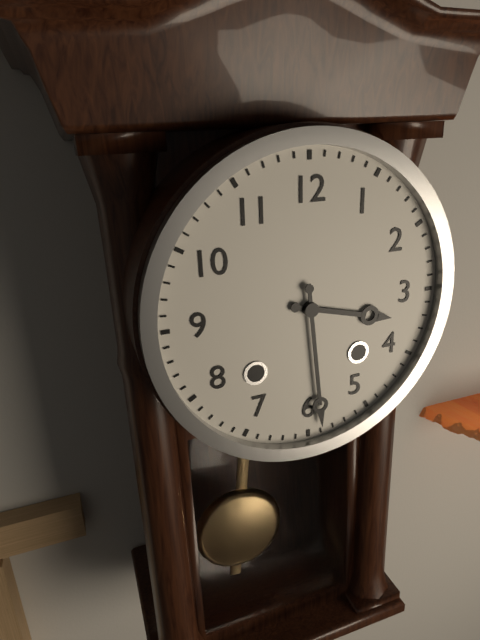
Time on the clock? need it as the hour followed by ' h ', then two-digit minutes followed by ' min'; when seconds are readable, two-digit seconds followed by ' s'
3 h 29 min
